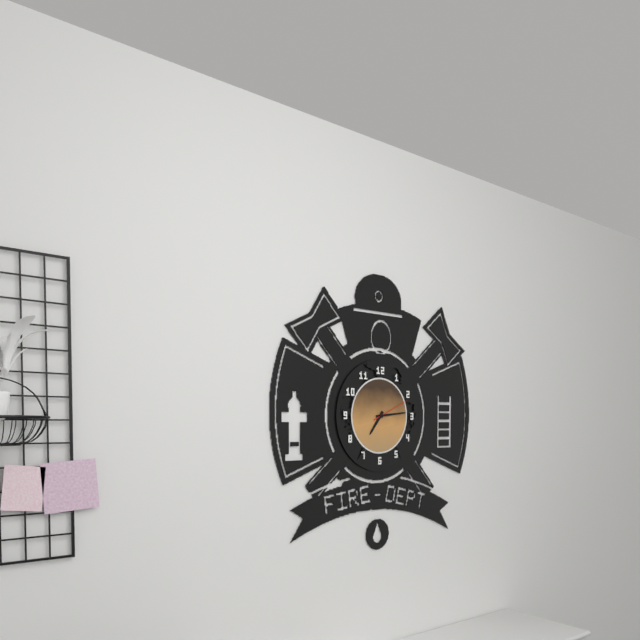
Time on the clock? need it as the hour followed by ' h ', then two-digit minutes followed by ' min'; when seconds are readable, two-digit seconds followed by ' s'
7 h 14 min
